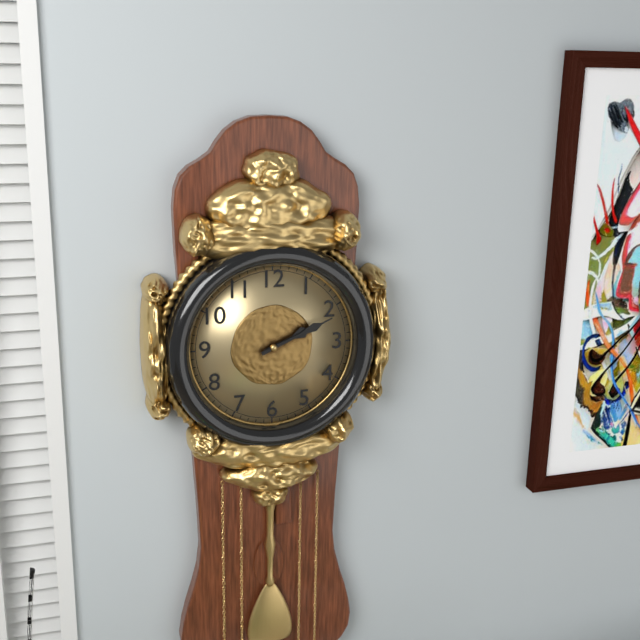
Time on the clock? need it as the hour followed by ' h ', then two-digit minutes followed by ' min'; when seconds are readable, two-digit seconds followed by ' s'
2 h 11 min
